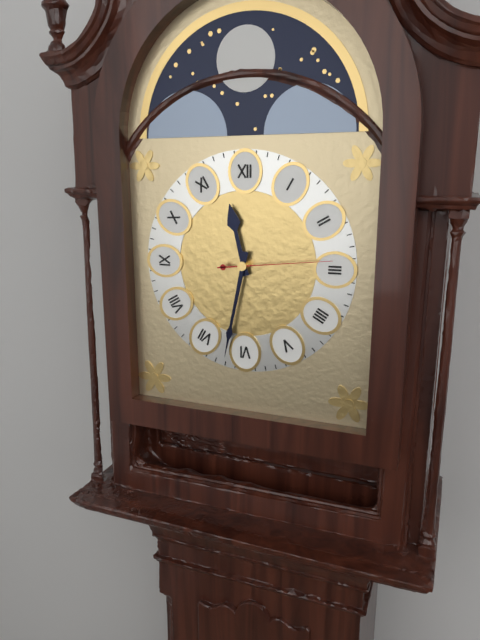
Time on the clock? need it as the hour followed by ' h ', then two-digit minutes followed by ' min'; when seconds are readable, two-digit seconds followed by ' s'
11 h 32 min 14 s
